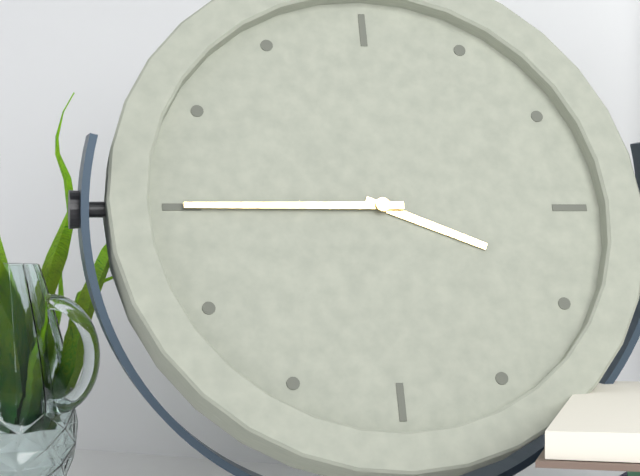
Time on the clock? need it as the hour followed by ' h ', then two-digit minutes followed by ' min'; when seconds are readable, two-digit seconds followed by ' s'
3 h 45 min
